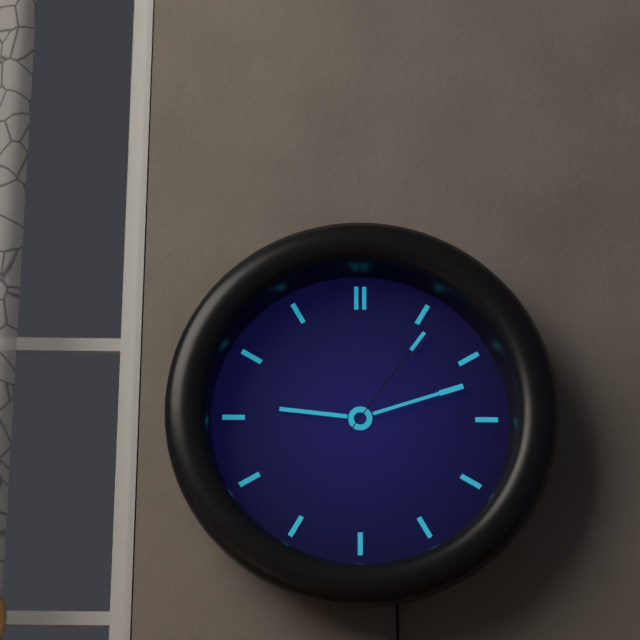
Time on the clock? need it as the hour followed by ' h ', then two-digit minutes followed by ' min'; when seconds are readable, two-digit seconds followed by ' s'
9 h 12 min 06 s
